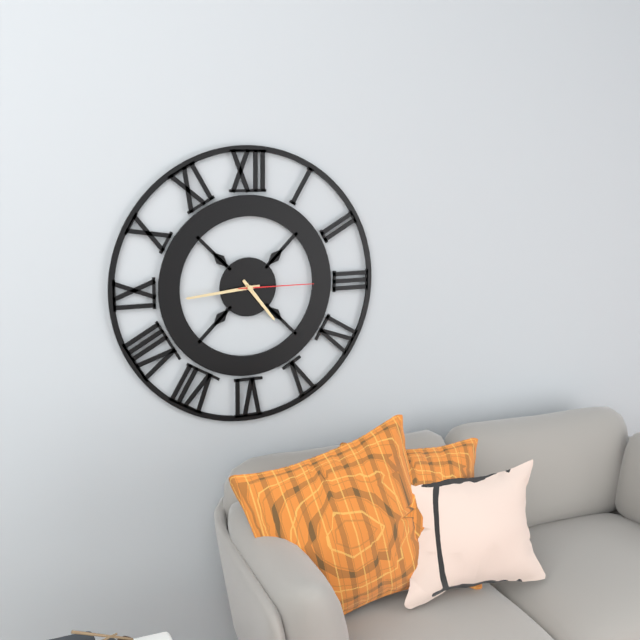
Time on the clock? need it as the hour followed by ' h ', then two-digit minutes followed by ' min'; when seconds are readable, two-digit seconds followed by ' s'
4 h 44 min 15 s
